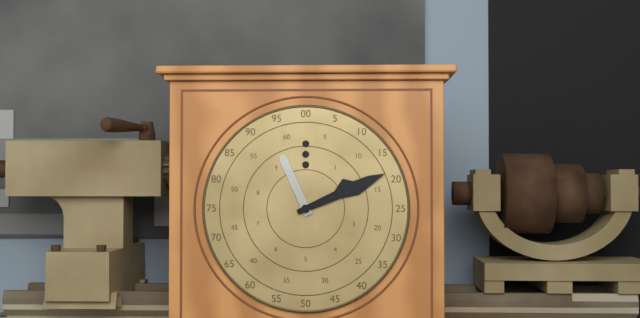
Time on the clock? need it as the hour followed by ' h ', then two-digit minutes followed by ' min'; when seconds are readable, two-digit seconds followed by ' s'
11 h 11 min
